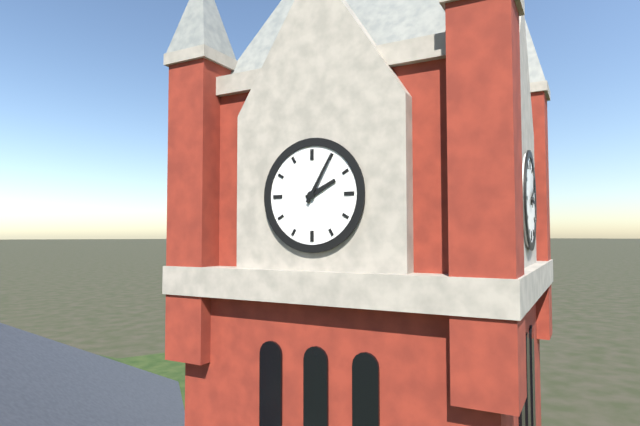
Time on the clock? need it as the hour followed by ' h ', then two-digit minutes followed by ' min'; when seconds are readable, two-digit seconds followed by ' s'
2 h 05 min
